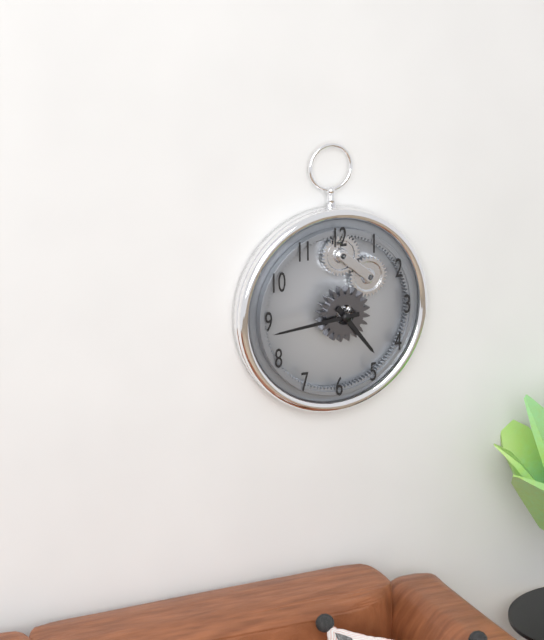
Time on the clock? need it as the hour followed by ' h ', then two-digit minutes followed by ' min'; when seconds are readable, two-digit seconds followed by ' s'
4 h 44 min
